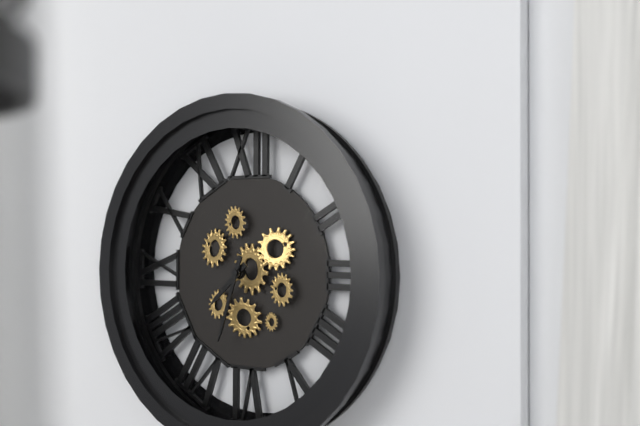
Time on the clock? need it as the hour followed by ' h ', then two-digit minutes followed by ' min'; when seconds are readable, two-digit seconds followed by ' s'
7 h 33 min
